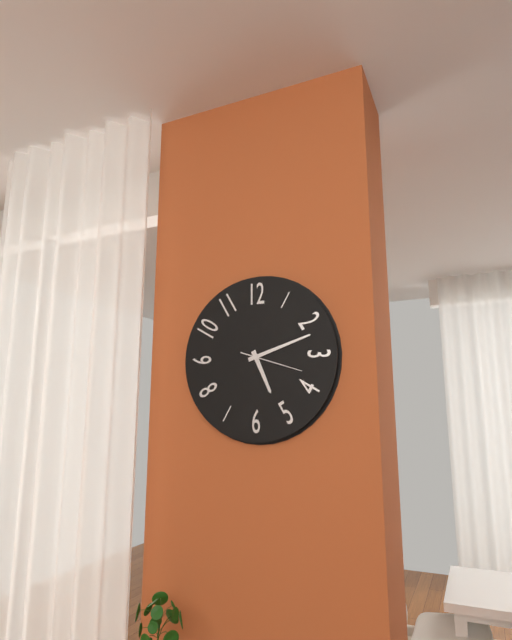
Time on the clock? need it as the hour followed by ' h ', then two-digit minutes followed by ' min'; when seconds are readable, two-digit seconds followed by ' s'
5 h 12 min 18 s
